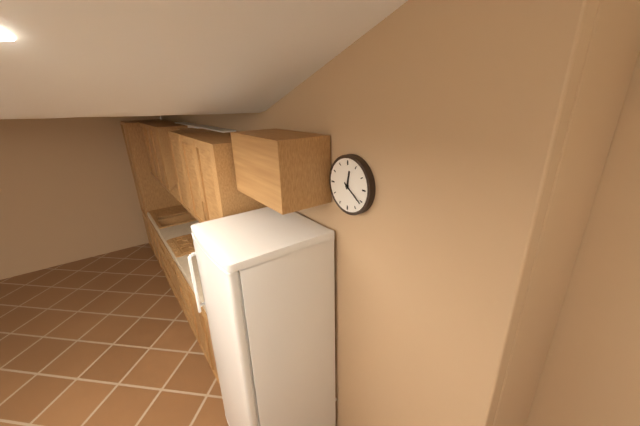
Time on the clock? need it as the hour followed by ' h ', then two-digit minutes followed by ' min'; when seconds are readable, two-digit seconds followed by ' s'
12 h 21 min
